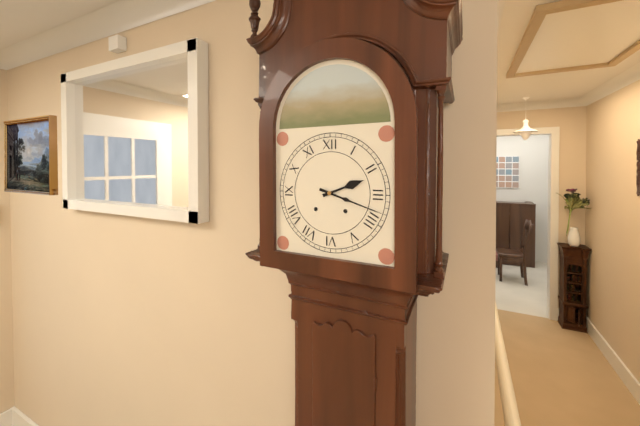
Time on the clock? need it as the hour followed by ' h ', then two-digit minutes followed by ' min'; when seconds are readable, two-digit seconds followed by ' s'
2 h 18 min
